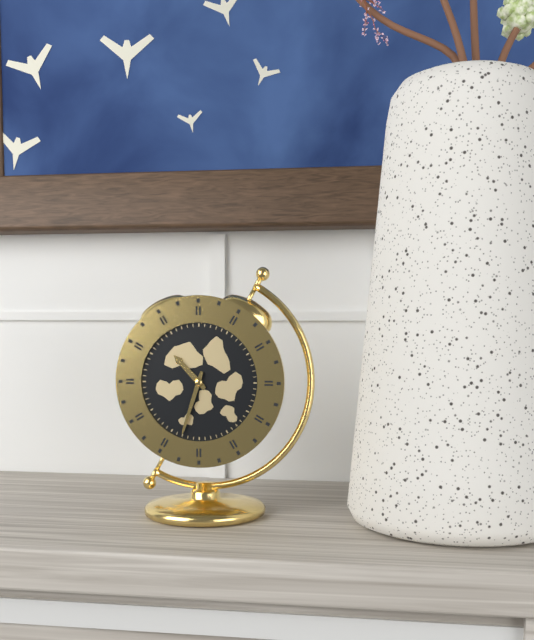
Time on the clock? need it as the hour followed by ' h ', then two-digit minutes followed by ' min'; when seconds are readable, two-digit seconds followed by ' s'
10 h 33 min
